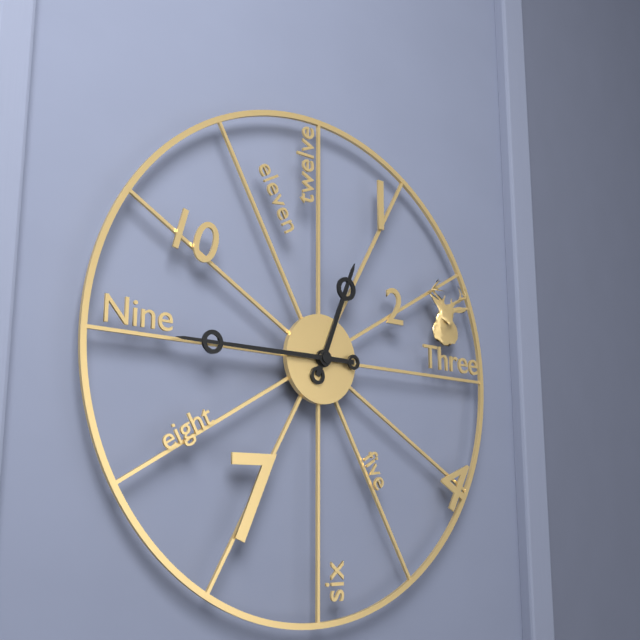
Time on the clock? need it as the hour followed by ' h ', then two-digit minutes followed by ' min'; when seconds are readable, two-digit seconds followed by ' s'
12 h 45 min
